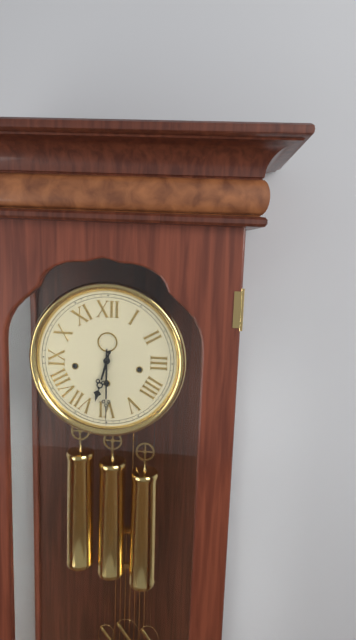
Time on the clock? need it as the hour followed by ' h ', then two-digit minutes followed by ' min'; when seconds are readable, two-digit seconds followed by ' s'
6 h 30 min
